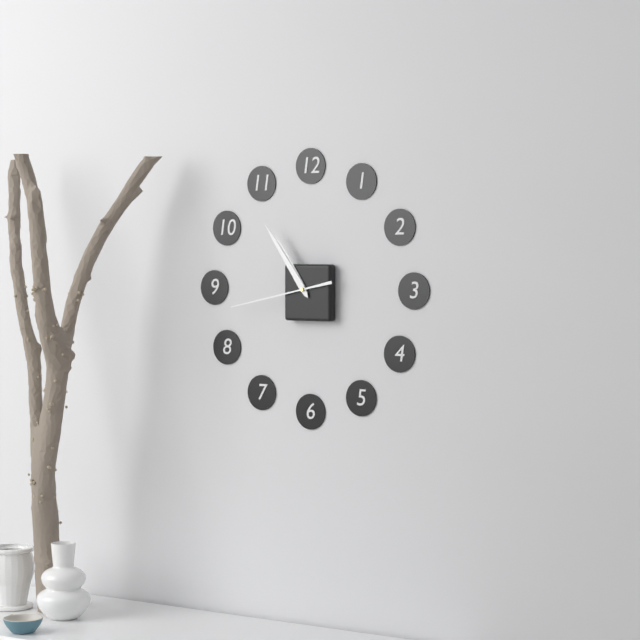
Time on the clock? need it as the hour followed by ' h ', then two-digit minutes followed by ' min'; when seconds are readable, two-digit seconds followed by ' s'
10 h 54 min 43 s
